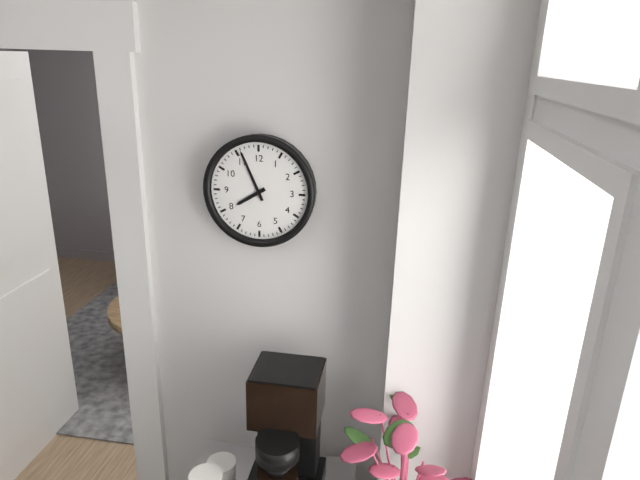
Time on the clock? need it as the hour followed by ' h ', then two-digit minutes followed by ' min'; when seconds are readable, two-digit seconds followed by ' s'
7 h 56 min
